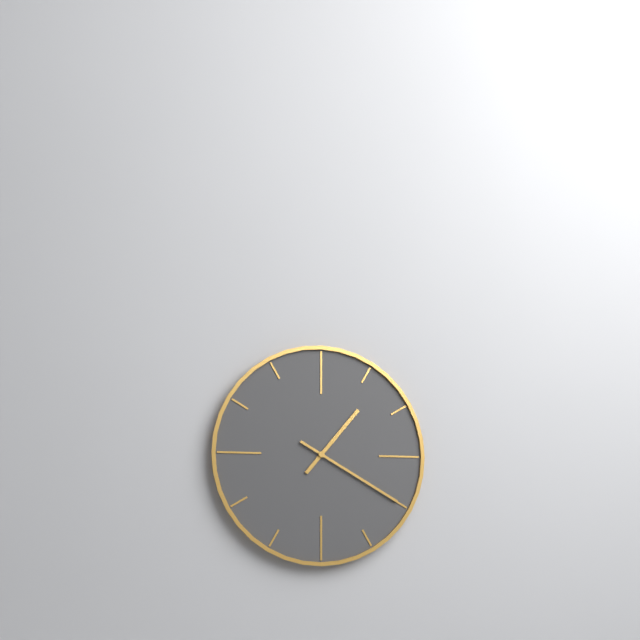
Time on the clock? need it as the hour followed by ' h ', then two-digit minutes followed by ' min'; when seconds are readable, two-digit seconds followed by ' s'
1 h 20 min
